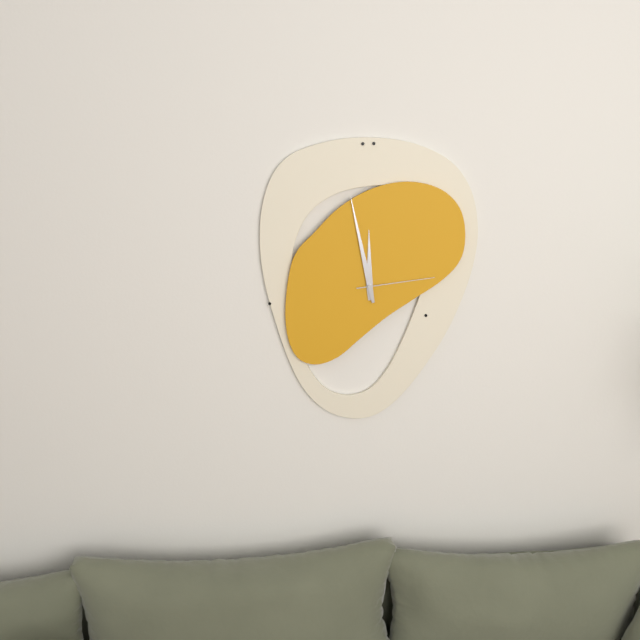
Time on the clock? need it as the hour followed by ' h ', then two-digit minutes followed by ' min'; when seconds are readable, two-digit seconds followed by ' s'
11 h 58 min 14 s
